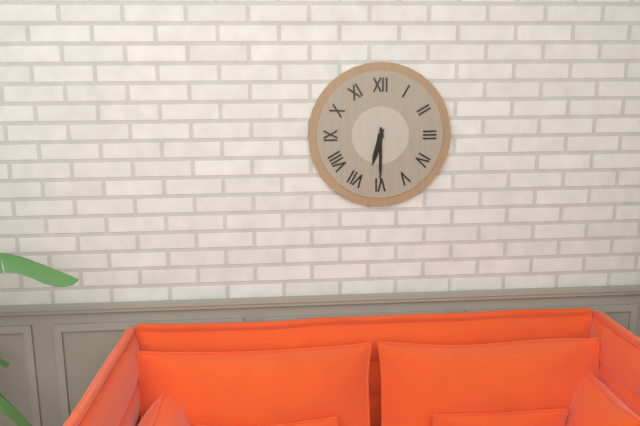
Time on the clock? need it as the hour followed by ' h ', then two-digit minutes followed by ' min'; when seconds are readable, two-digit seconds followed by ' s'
6 h 30 min
